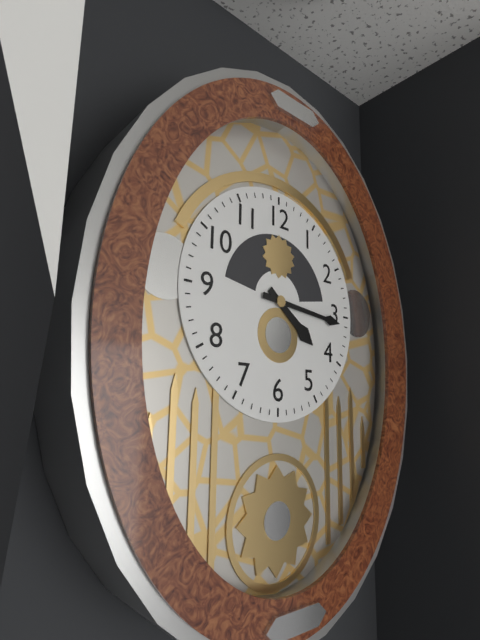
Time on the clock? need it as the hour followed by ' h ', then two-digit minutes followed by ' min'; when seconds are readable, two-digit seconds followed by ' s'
4 h 16 min
